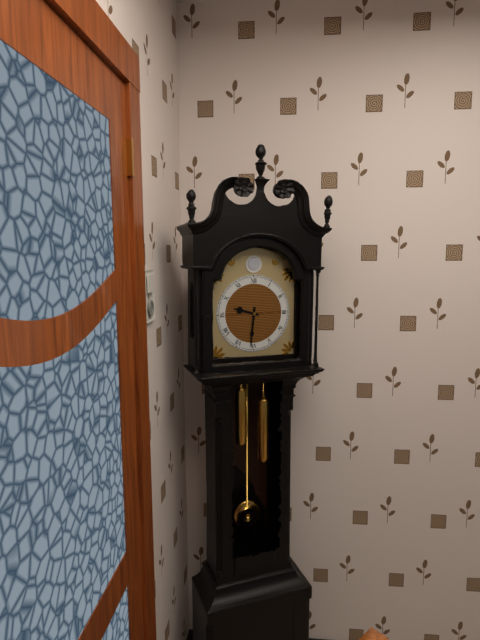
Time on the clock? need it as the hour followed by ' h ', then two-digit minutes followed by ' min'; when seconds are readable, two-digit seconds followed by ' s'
9 h 31 min
